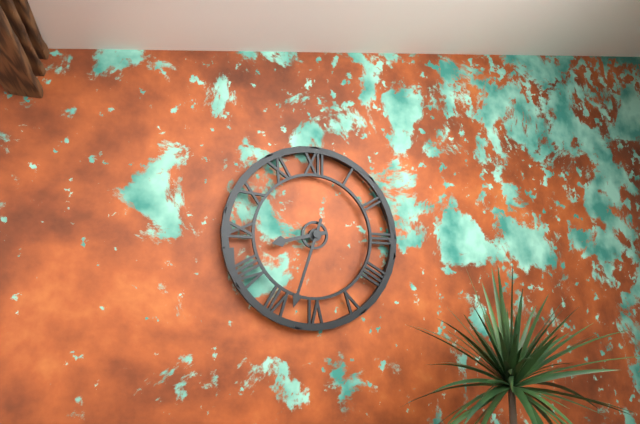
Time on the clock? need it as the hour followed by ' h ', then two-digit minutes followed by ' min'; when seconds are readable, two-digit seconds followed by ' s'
8 h 33 min
